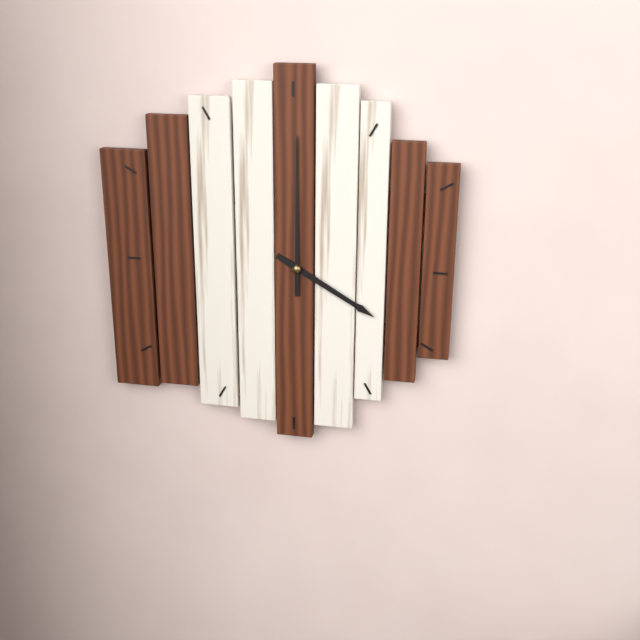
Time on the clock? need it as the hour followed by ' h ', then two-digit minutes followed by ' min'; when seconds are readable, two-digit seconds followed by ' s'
4 h 00 min
